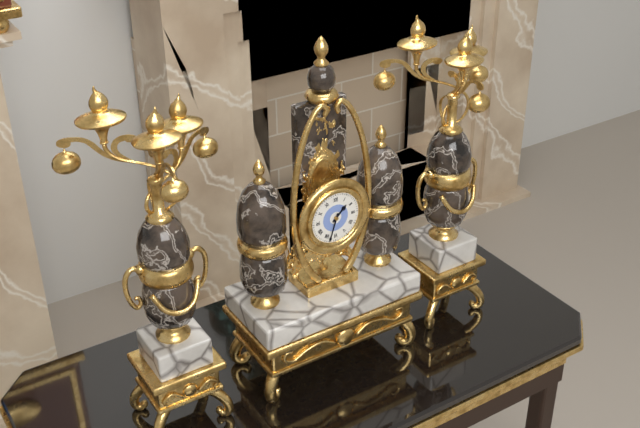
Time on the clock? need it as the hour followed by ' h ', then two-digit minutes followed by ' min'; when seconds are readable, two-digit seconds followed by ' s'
1 h 33 min
